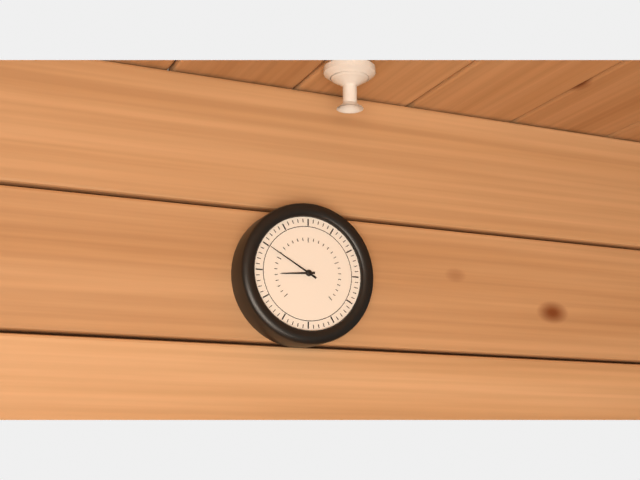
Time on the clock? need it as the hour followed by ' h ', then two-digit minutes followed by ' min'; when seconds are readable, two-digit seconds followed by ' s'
8 h 50 min
